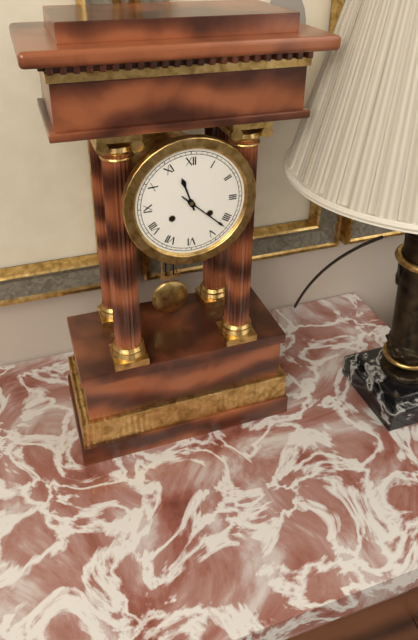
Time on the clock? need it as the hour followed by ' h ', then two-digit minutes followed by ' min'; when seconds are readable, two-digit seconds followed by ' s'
11 h 22 min
